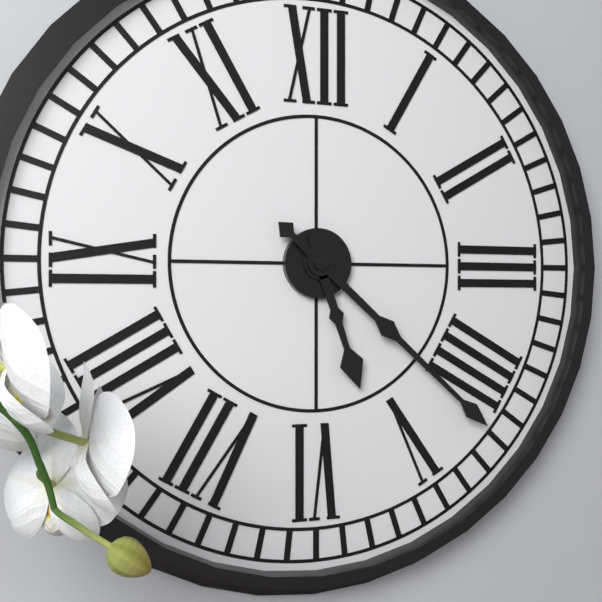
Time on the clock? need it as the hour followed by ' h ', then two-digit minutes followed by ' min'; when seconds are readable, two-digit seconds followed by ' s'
5 h 22 min
